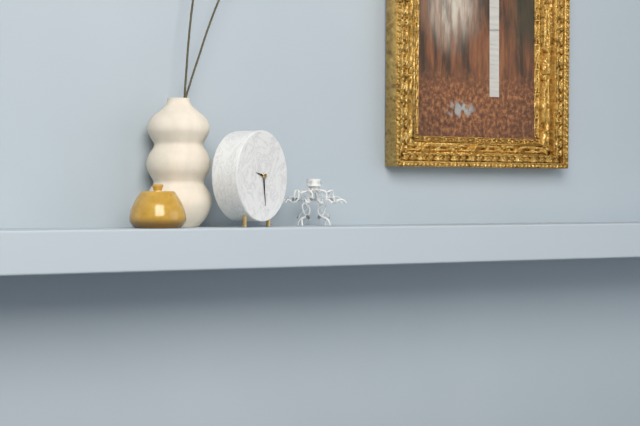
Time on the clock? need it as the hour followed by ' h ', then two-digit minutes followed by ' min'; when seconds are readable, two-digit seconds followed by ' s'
9 h 29 min
